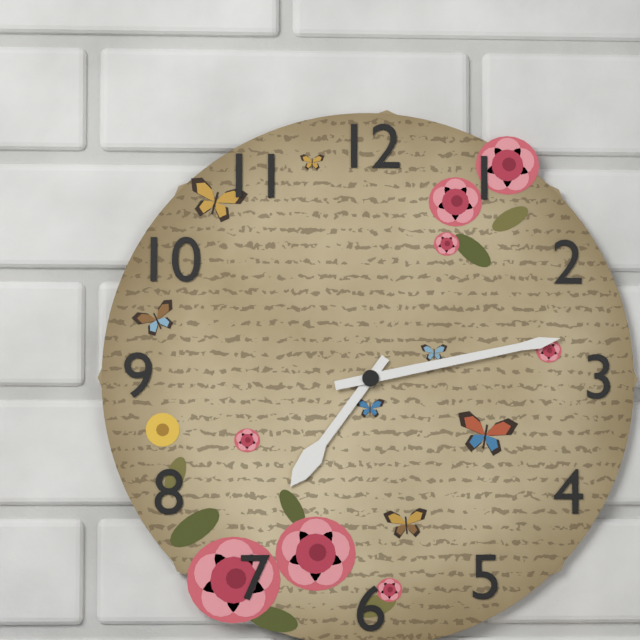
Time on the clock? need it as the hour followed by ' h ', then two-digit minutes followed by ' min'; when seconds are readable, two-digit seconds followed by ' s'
7 h 13 min
